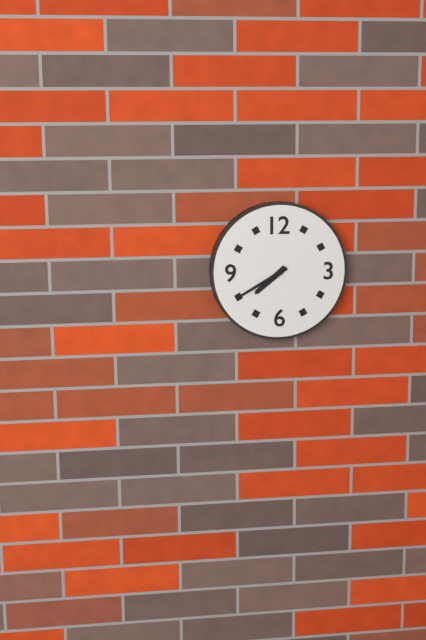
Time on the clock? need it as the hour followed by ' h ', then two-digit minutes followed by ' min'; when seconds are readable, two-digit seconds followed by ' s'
7 h 40 min
